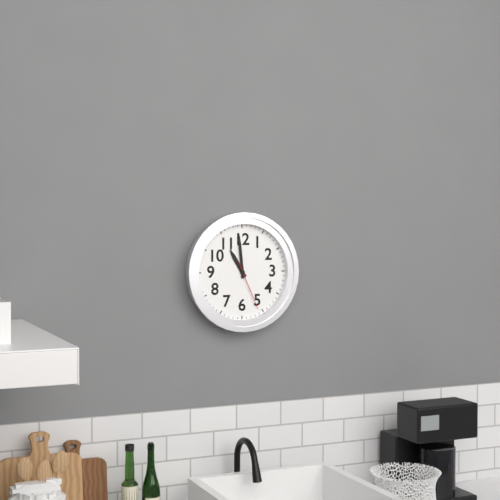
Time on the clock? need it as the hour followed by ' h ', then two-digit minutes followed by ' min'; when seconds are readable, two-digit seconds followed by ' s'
10 h 59 min 26 s
